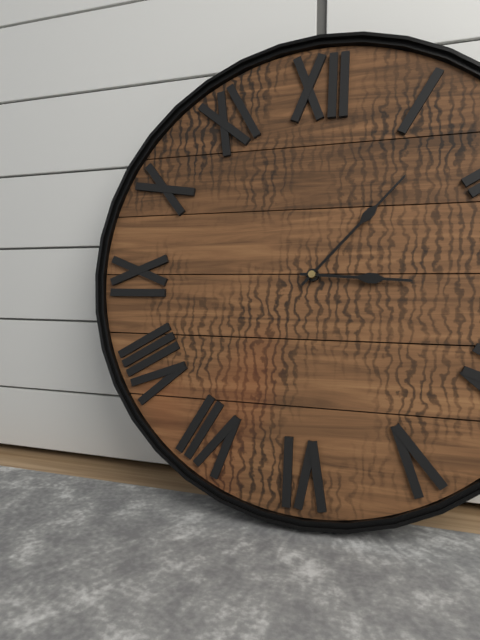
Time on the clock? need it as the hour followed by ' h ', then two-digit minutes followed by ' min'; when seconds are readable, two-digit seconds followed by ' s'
3 h 07 min
